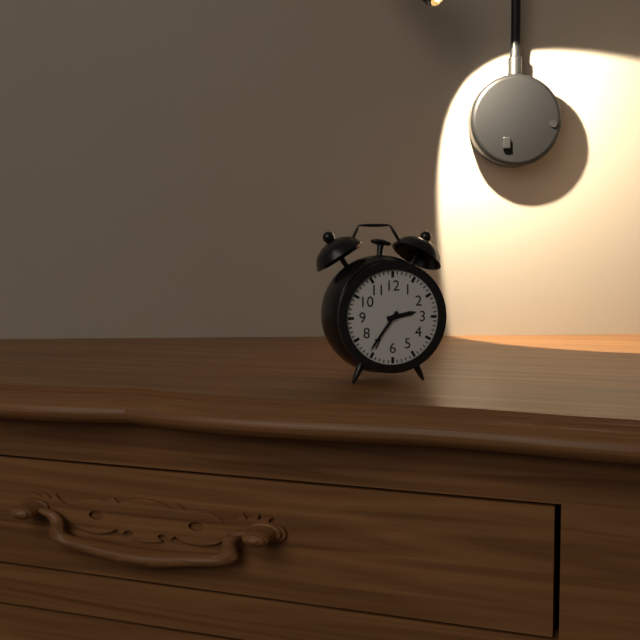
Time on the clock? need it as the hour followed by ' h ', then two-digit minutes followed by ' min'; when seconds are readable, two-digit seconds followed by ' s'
2 h 36 min
